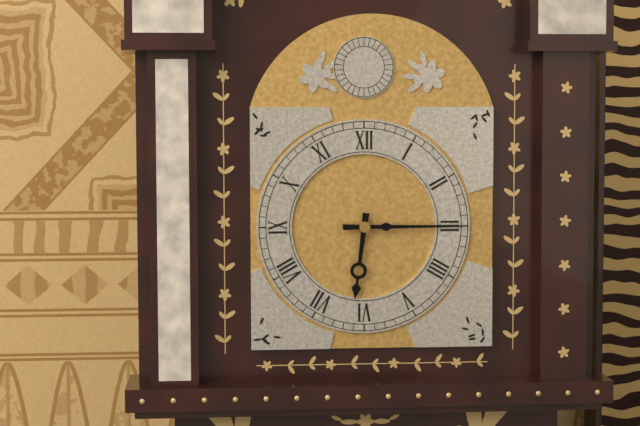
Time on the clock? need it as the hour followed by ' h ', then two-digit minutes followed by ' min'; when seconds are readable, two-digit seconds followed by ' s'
6 h 15 min
